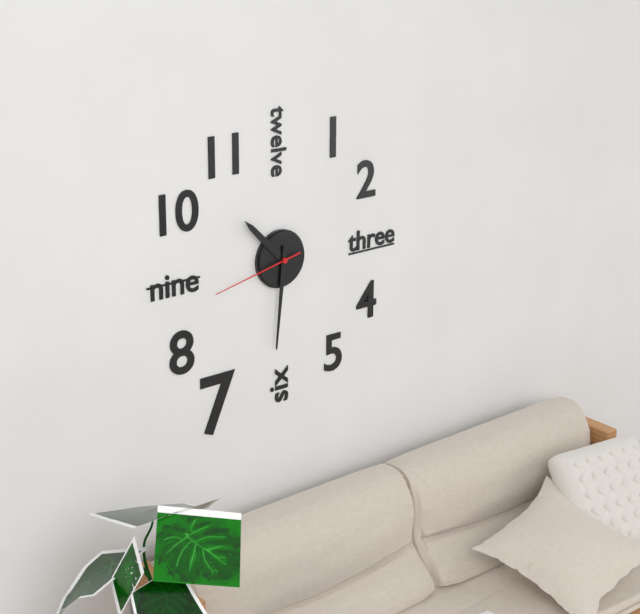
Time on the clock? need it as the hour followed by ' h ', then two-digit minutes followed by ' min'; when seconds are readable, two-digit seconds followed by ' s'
10 h 31 min 43 s
